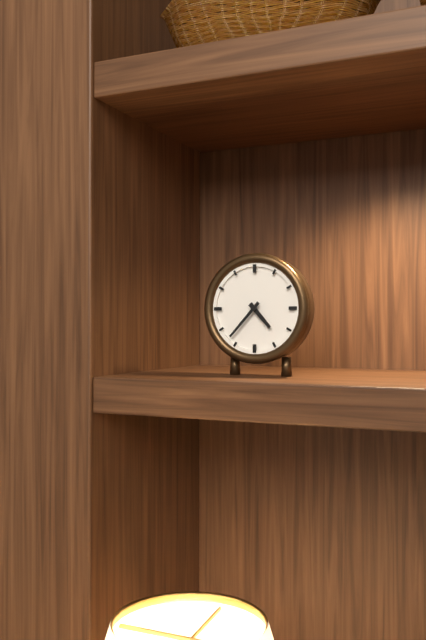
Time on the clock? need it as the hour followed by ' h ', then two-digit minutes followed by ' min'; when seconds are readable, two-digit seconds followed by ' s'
4 h 37 min
